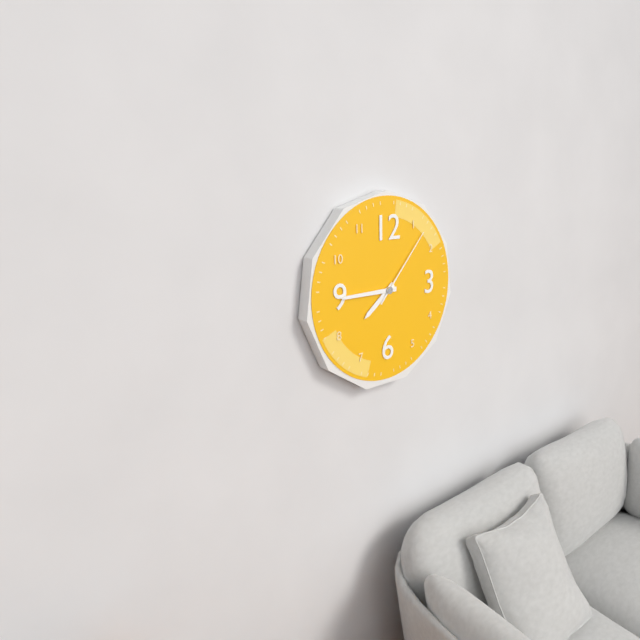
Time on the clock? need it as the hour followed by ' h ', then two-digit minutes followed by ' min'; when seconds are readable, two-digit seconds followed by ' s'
7 h 45 min 07 s
